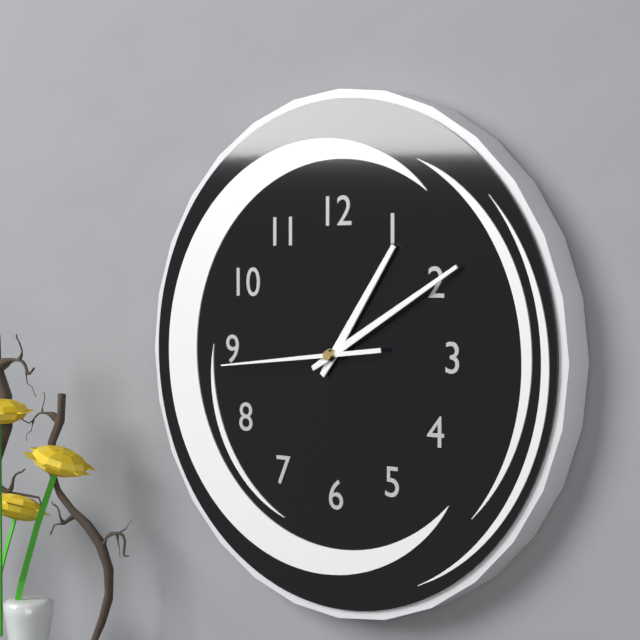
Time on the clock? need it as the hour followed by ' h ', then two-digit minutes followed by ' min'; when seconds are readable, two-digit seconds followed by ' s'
1 h 10 min 44 s
